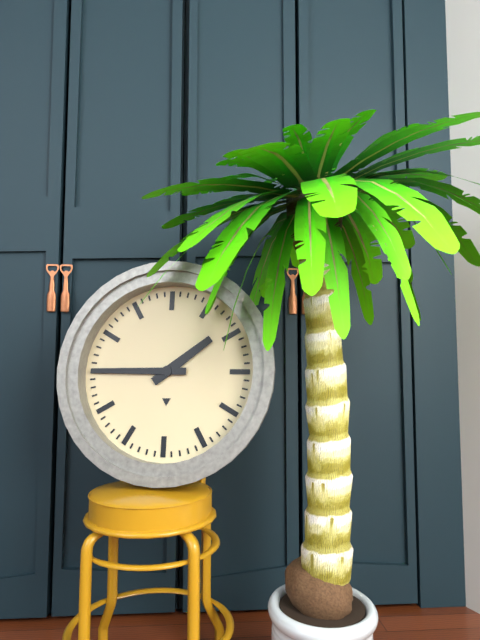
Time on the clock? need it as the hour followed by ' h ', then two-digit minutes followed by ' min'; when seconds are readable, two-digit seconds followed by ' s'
1 h 45 min
